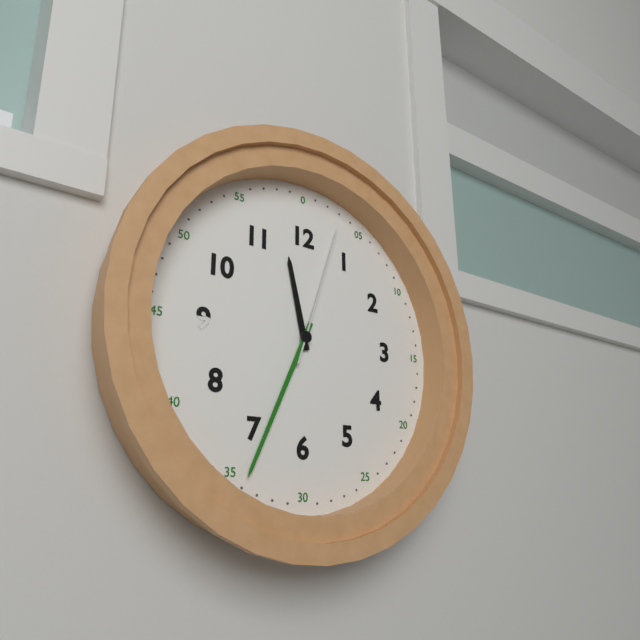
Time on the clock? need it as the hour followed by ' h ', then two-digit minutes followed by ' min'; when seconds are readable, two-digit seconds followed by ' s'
11 h 34 min 03 s
